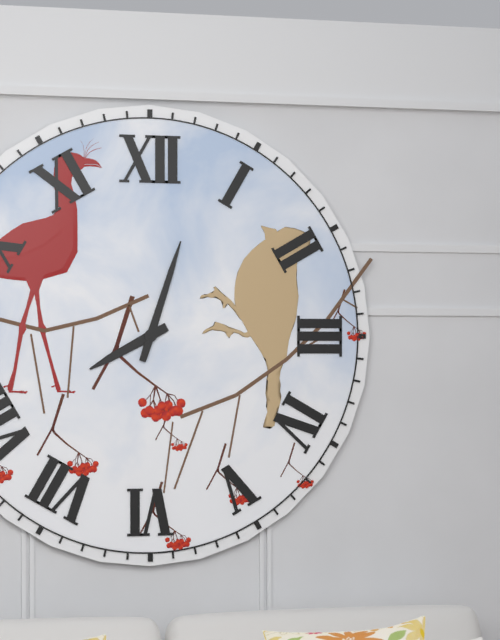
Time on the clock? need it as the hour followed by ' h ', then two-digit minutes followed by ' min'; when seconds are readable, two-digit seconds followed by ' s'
8 h 03 min
